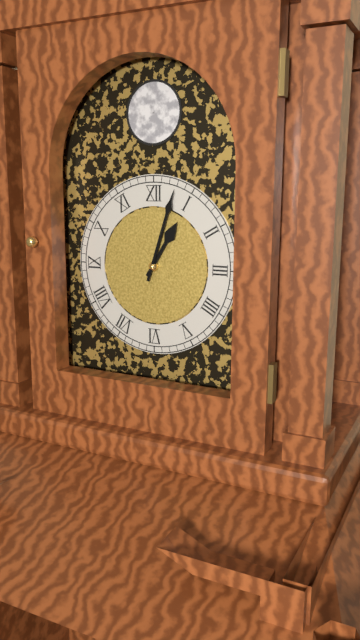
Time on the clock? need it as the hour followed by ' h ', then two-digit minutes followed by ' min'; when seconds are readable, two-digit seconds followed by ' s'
1 h 03 min
